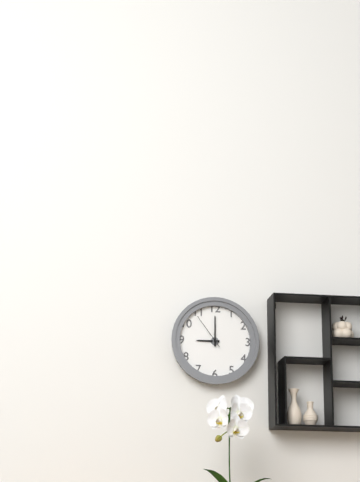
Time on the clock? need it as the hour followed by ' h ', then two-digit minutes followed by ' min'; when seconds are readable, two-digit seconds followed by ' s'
9 h 00 min
